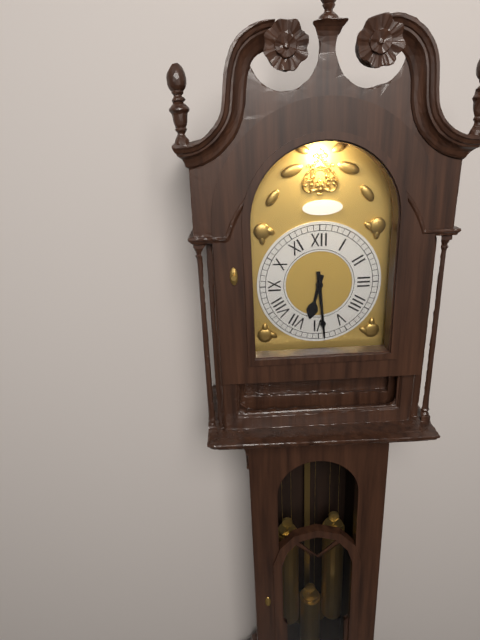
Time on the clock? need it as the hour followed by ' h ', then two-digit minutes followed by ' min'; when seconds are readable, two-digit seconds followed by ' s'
6 h 29 min
